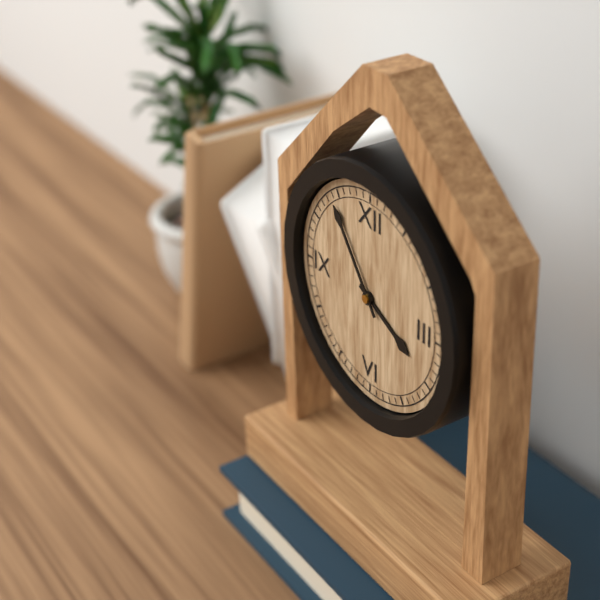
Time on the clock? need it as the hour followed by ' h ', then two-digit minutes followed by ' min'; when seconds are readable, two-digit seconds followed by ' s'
3 h 54 min
